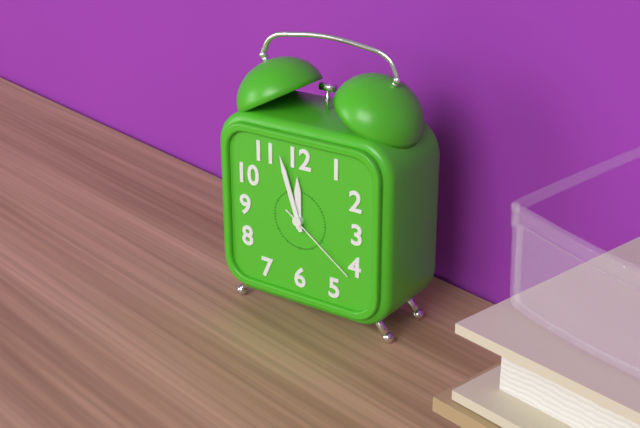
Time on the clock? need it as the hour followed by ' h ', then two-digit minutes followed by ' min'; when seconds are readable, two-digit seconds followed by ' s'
11 h 57 min 21 s
